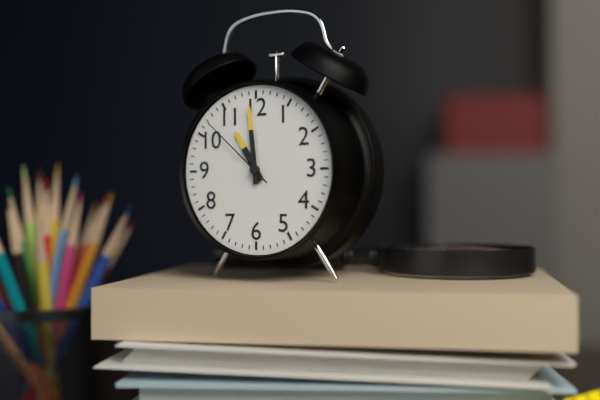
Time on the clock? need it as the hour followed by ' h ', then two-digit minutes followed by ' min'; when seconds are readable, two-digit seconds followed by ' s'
10 h 59 min 52 s
